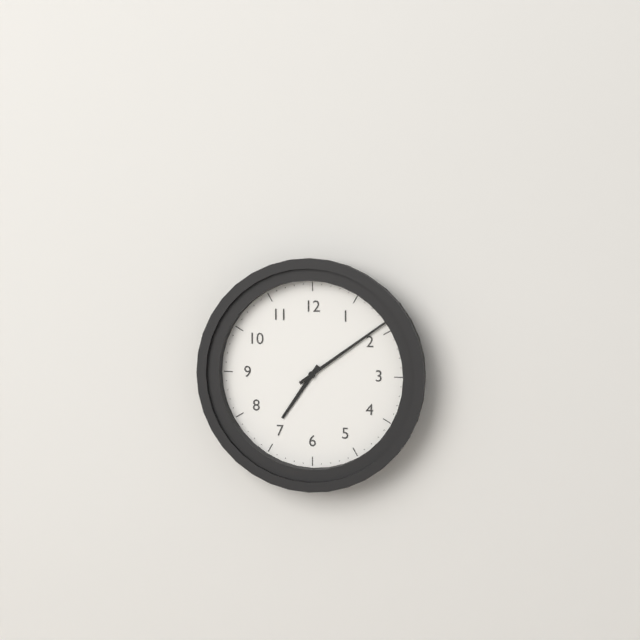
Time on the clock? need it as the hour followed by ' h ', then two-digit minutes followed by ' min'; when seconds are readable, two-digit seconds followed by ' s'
7 h 09 min
